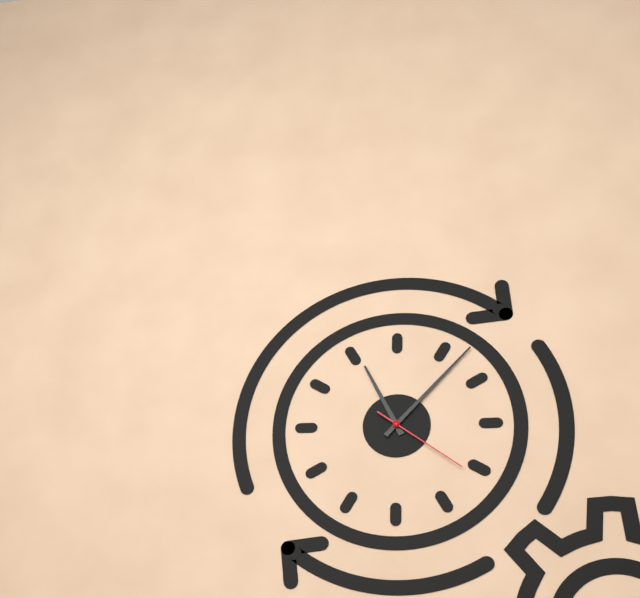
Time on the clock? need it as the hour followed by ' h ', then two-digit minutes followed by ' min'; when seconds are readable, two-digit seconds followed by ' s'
11 h 07 min 21 s
